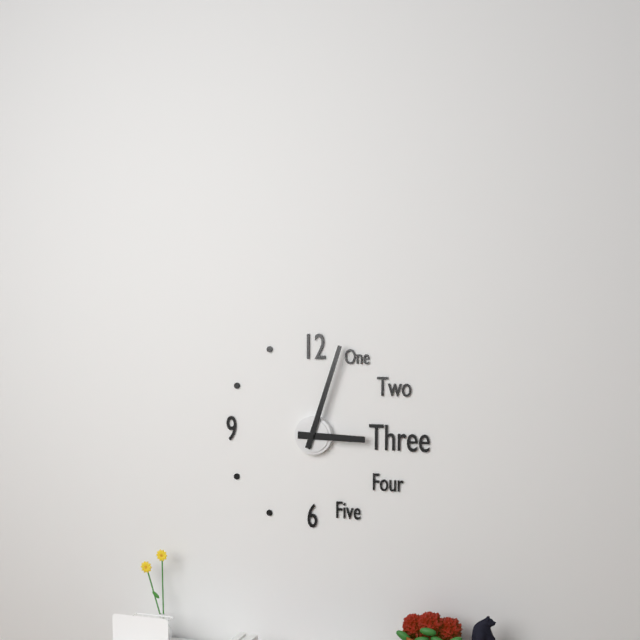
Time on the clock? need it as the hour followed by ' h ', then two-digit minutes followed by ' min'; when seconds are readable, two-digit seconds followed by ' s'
3 h 03 min
